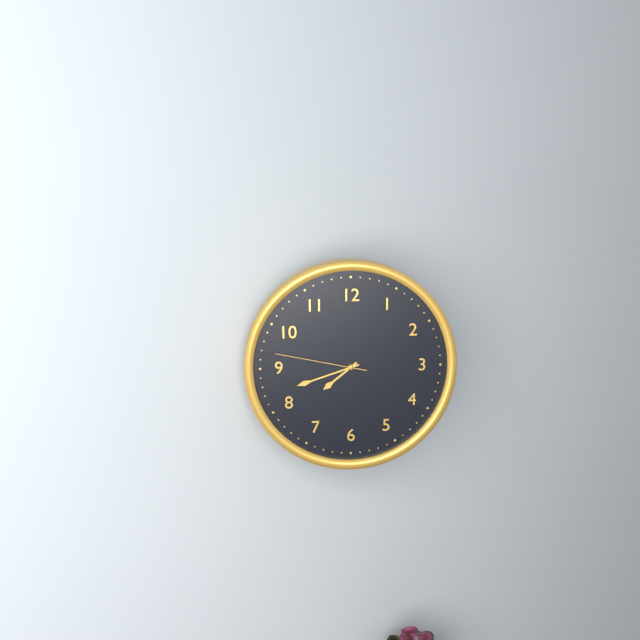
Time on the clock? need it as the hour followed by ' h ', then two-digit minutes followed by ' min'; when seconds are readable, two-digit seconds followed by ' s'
7 h 42 min 47 s
